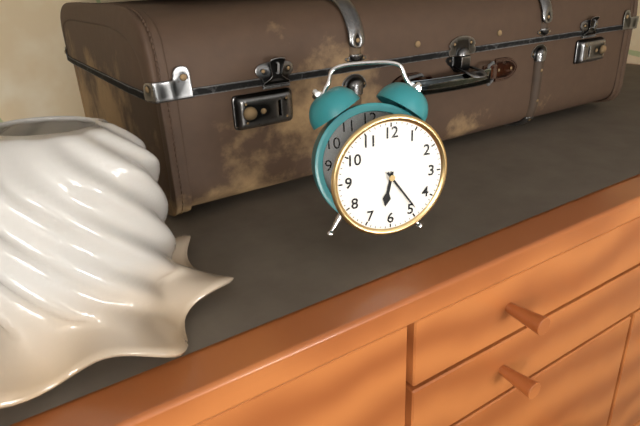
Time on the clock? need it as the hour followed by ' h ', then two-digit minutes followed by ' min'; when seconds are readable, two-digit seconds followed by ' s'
6 h 24 min
